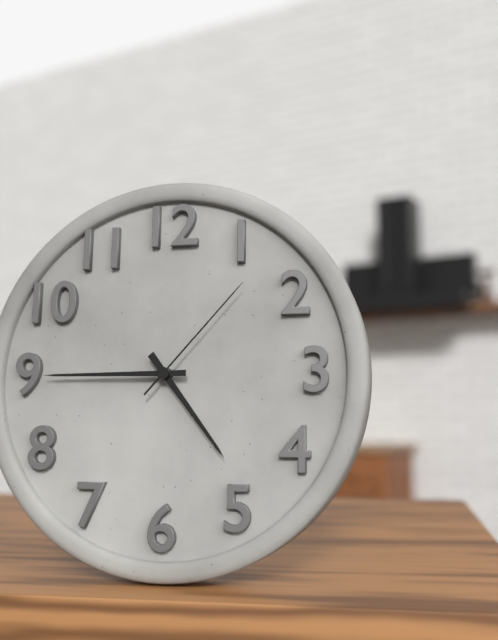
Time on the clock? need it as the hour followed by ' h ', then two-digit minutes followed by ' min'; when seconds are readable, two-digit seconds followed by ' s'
4 h 45 min 07 s
